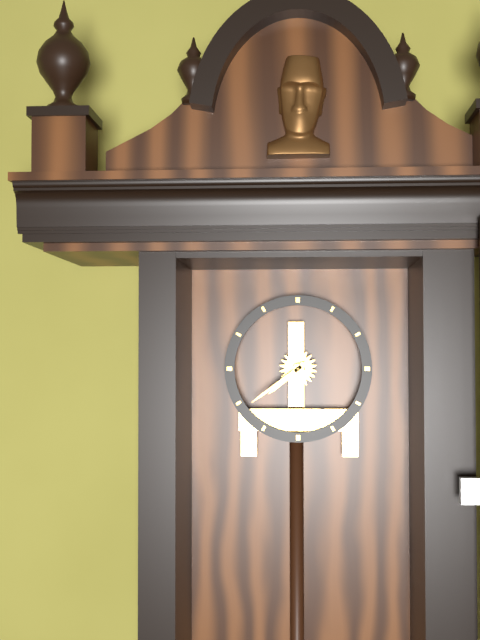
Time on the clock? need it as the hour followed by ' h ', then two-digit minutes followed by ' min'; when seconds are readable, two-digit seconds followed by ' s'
7 h 39 min
